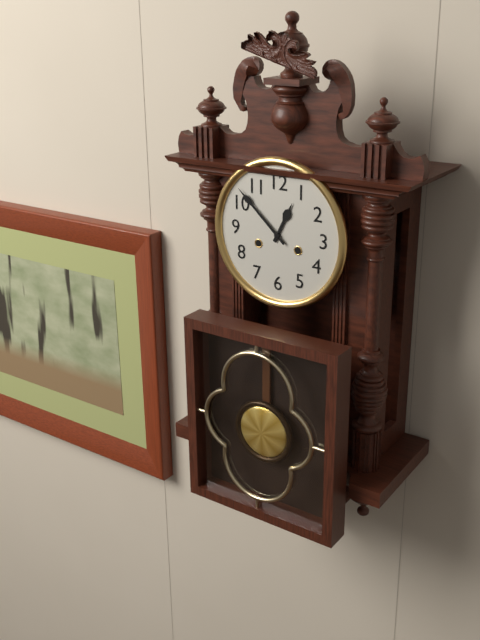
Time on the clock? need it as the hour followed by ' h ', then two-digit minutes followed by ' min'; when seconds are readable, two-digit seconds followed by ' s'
12 h 52 min
